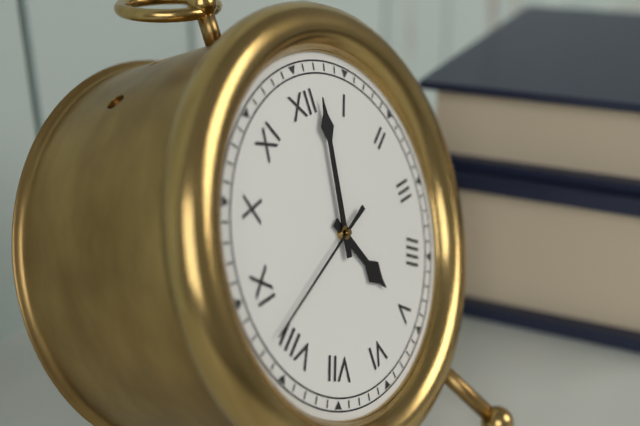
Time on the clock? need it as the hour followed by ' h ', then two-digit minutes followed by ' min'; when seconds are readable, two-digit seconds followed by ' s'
5 h 02 min 42 s
